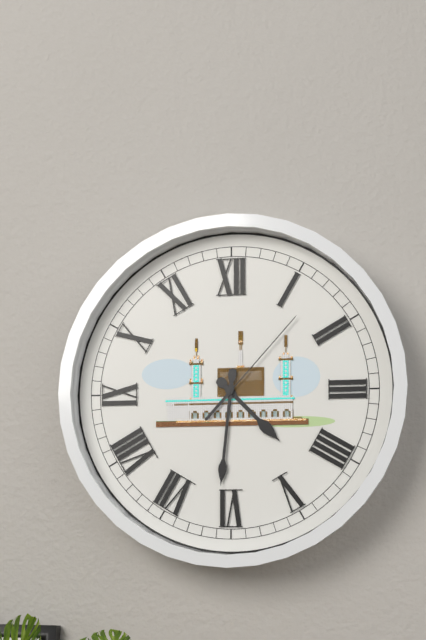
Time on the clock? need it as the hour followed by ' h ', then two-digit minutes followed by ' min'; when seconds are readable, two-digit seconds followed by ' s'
4 h 31 min 07 s
